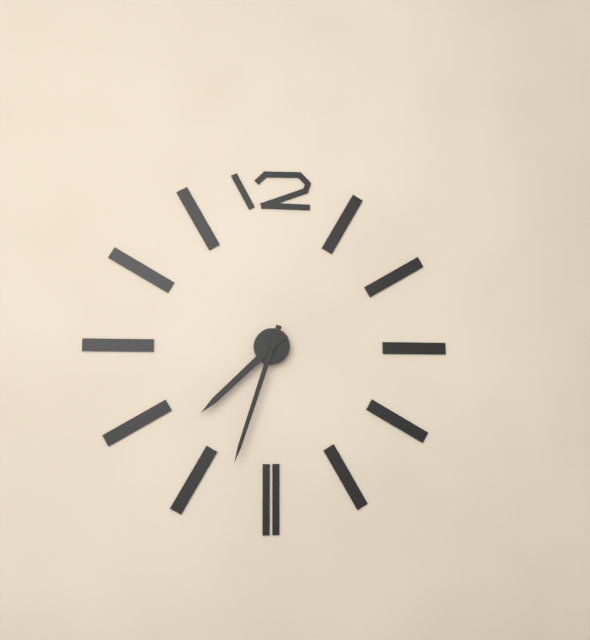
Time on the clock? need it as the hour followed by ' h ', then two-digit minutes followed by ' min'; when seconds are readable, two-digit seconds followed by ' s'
7 h 33 min
